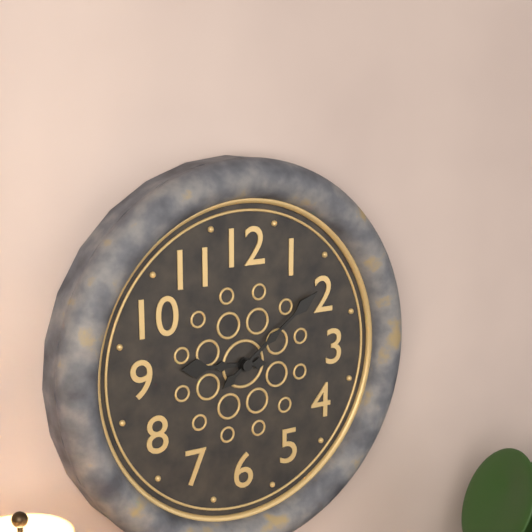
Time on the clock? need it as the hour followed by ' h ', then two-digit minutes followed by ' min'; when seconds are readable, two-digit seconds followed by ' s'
9 h 09 min
